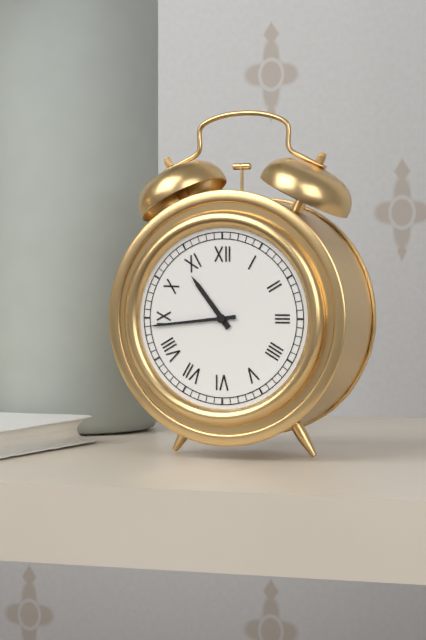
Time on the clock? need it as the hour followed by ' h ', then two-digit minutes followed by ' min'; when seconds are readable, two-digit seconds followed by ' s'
10 h 44 min
